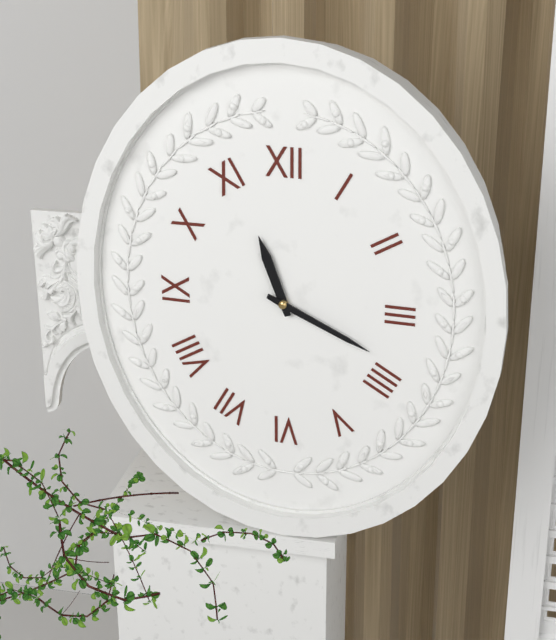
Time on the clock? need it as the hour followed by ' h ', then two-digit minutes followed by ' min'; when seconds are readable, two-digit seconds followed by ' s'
11 h 19 min
